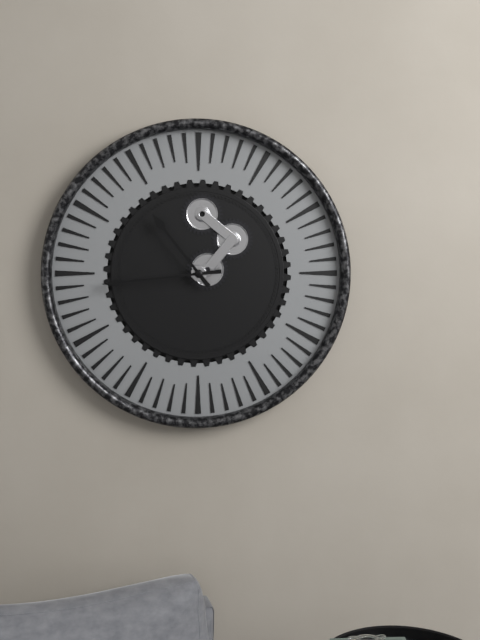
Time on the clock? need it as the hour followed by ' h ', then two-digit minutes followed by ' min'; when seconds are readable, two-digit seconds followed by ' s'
10 h 44 min
